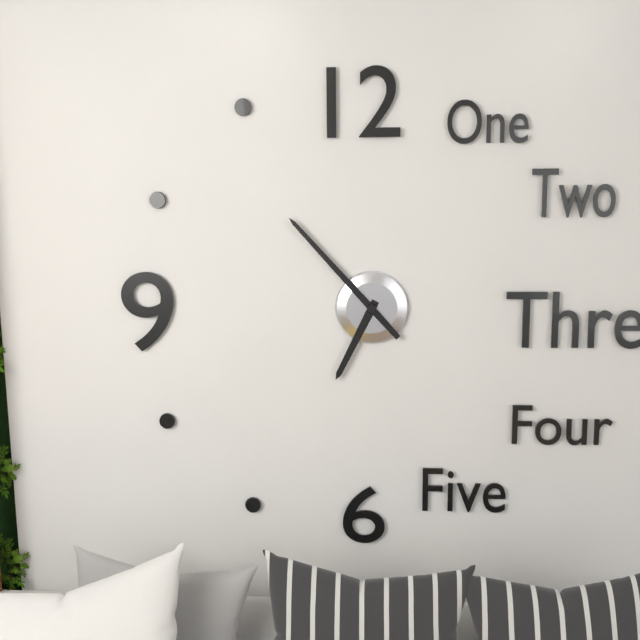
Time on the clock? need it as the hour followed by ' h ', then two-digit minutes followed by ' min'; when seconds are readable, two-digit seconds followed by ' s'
6 h 53 min
